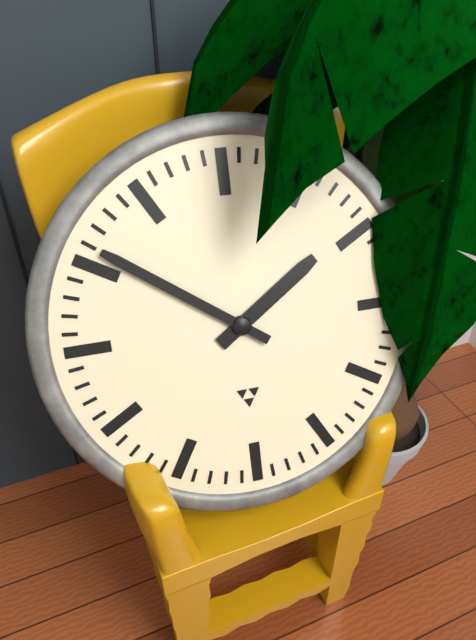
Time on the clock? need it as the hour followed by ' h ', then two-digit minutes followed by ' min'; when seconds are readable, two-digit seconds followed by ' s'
1 h 51 min
